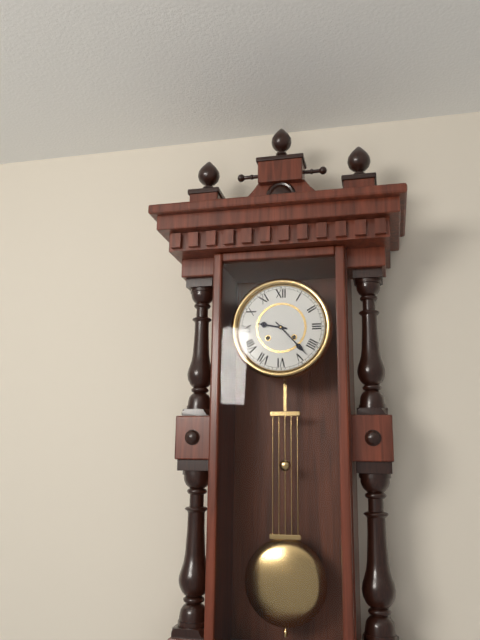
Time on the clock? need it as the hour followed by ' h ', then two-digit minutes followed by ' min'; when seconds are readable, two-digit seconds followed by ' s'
9 h 23 min
